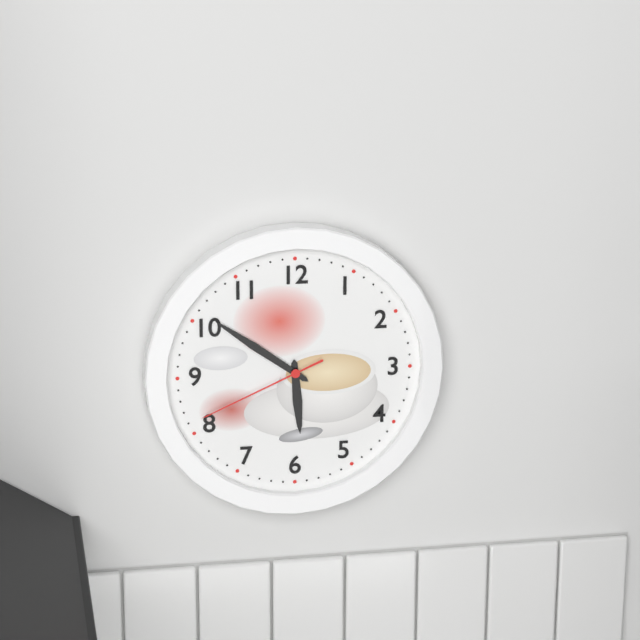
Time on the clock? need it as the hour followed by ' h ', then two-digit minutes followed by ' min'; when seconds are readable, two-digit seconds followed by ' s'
5 h 51 min 41 s
